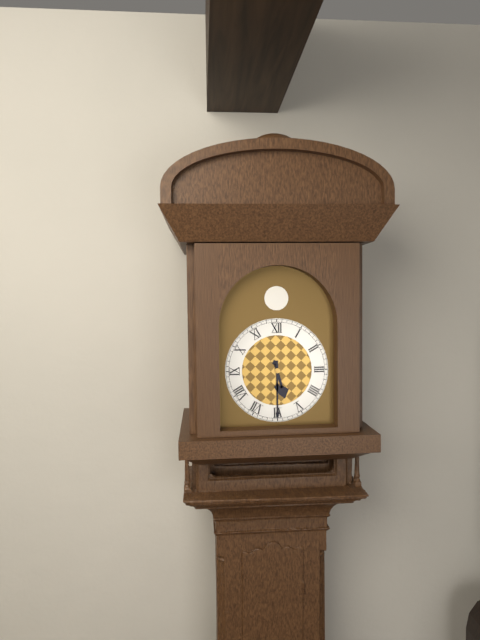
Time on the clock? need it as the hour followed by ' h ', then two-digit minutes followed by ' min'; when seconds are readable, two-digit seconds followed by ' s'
5 h 30 min
